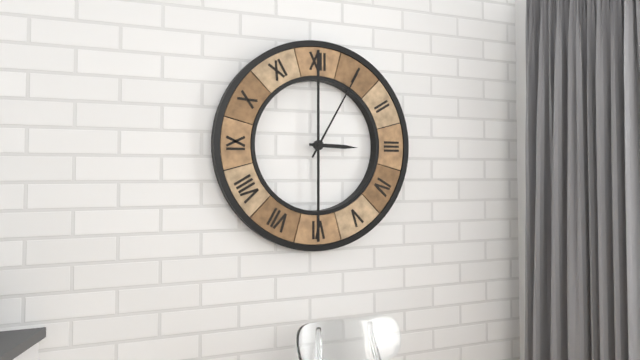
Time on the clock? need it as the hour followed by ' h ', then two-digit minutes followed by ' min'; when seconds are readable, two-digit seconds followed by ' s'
3 h 05 min
